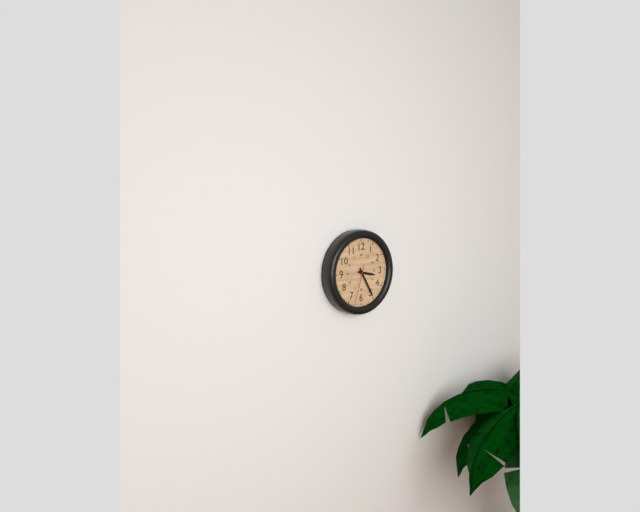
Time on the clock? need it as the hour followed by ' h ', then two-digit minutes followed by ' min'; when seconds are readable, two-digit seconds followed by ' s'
3 h 25 min
